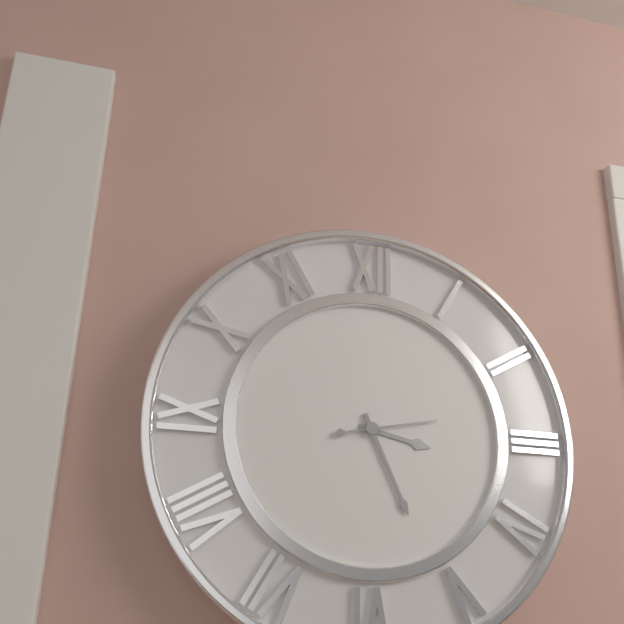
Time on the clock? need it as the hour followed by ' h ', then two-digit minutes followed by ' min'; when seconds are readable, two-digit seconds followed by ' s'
3 h 26 min 13 s
